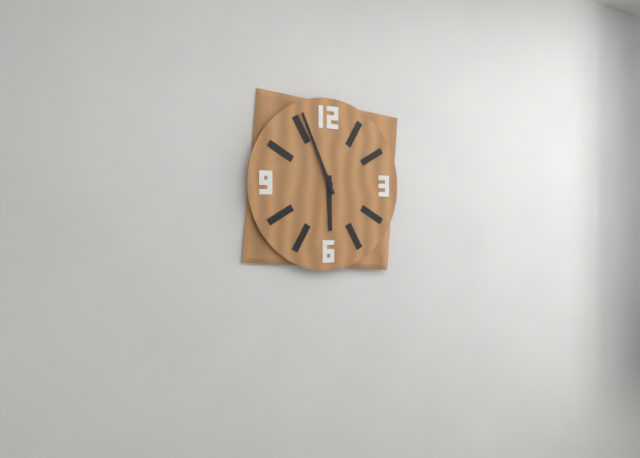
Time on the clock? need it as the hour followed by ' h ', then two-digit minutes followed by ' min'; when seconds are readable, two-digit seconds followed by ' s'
5 h 56 min
